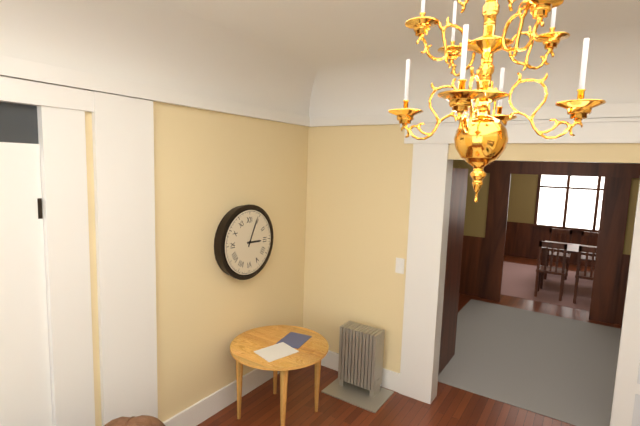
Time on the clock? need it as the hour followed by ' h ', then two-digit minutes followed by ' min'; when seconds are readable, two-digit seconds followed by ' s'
3 h 04 min
